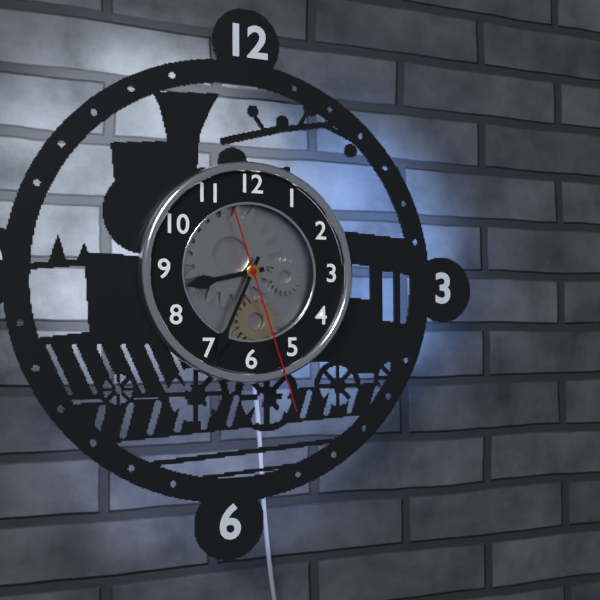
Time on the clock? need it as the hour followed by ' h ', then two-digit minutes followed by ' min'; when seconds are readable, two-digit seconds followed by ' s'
8 h 34 min 27 s
